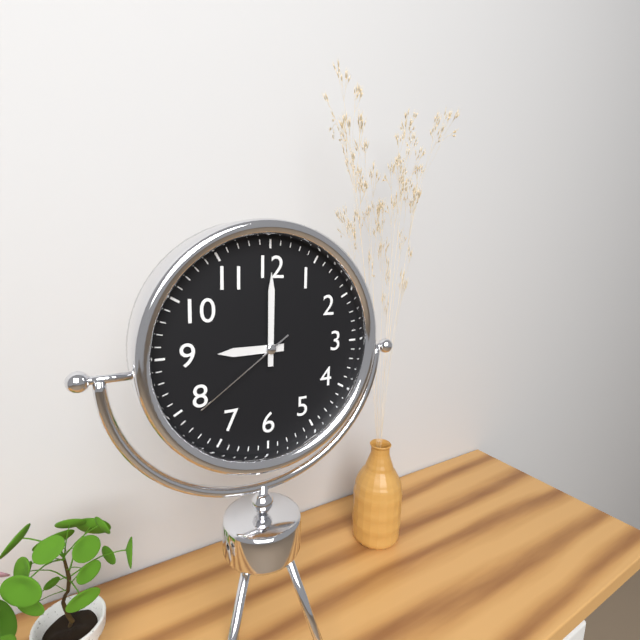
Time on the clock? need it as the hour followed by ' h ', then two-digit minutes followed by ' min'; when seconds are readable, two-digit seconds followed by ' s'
9 h 00 min 39 s
